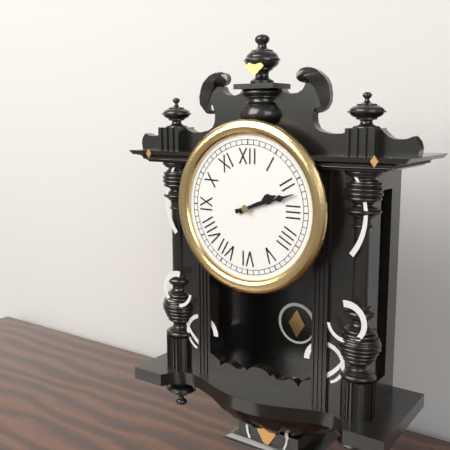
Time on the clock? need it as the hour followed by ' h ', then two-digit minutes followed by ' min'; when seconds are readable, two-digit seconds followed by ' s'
2 h 12 min
